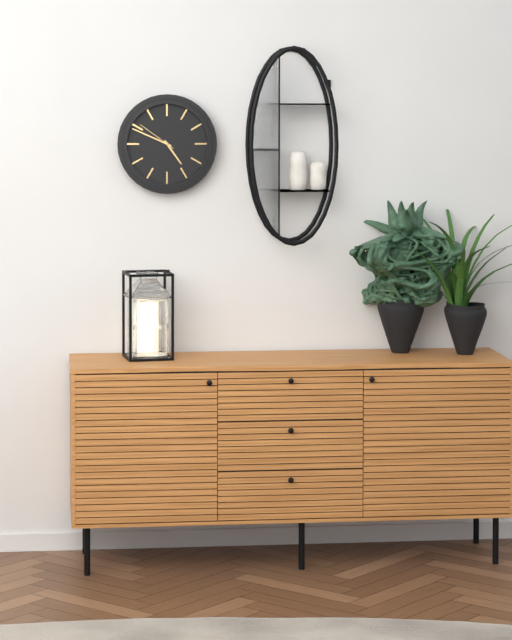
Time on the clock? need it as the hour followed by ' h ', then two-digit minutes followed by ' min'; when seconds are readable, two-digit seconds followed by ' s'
4 h 49 min
